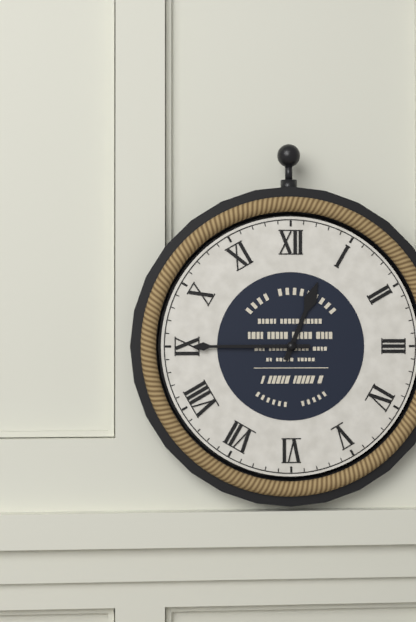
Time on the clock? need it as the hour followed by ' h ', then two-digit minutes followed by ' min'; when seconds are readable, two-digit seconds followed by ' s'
12 h 45 min
